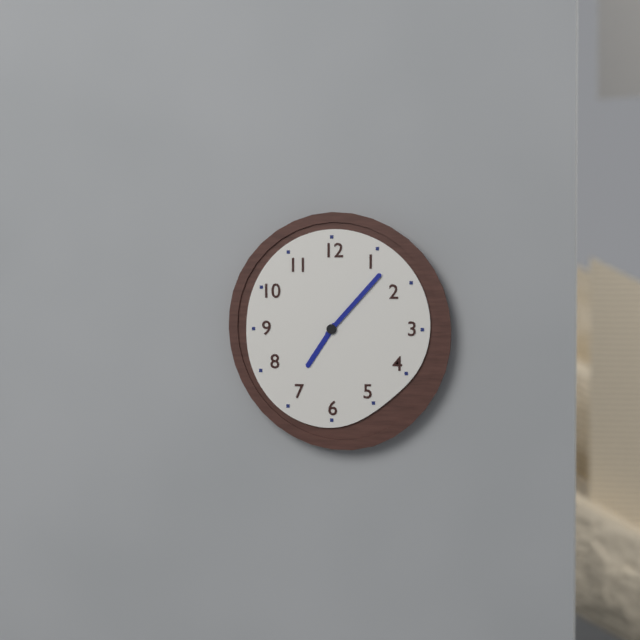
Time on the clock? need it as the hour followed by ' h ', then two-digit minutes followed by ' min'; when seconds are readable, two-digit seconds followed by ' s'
7 h 07 min
